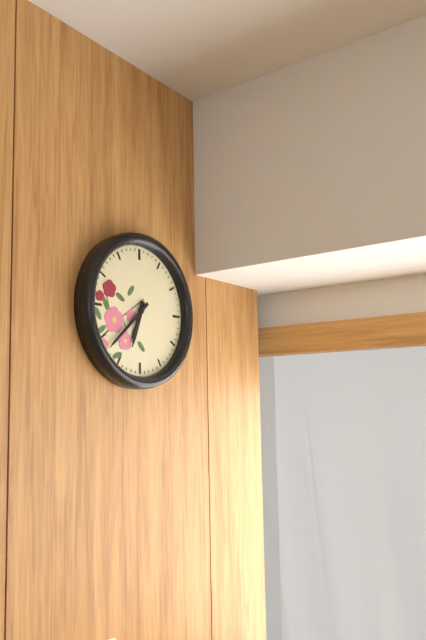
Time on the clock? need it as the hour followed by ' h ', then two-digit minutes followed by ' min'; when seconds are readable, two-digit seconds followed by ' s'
6 h 38 min
